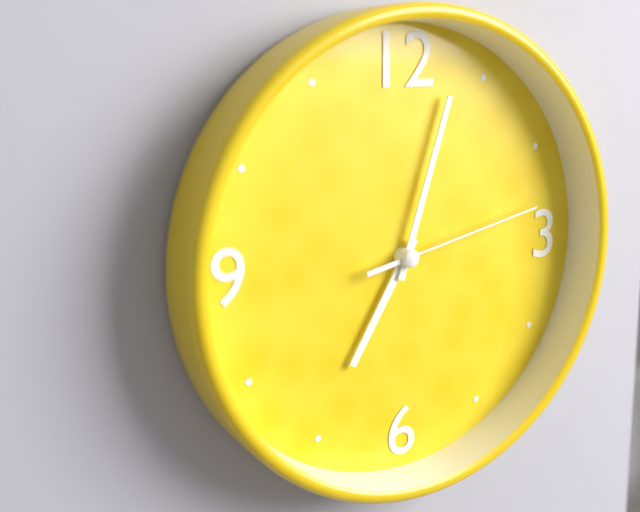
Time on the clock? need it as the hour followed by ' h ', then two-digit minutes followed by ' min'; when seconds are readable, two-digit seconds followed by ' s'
7 h 03 min 13 s
